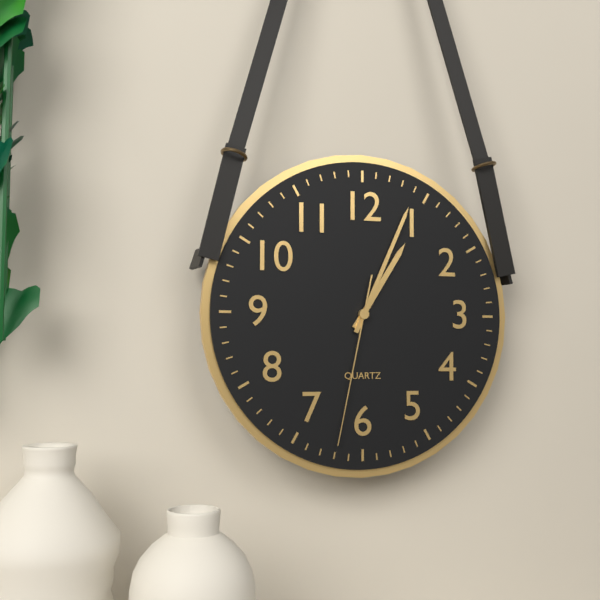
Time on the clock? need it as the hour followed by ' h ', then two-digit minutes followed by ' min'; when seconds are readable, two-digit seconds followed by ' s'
1 h 04 min 32 s
